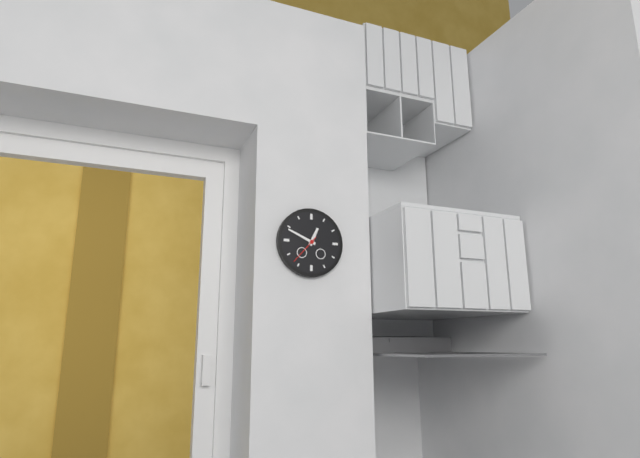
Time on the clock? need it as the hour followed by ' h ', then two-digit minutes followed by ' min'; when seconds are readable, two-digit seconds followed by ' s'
12 h 49 min
